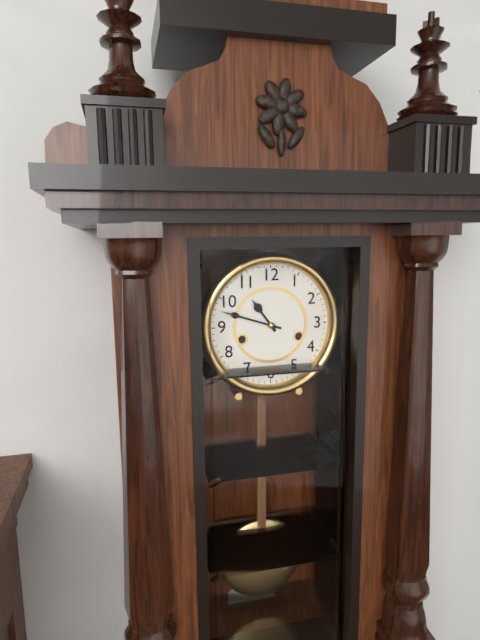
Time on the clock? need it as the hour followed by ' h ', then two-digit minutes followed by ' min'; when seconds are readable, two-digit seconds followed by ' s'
10 h 48 min
